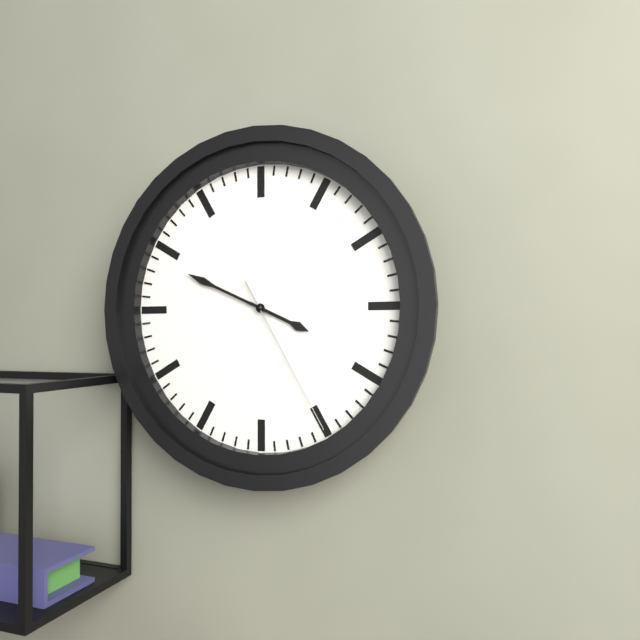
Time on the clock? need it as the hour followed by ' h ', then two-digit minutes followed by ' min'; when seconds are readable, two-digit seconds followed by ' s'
3 h 49 min 25 s
